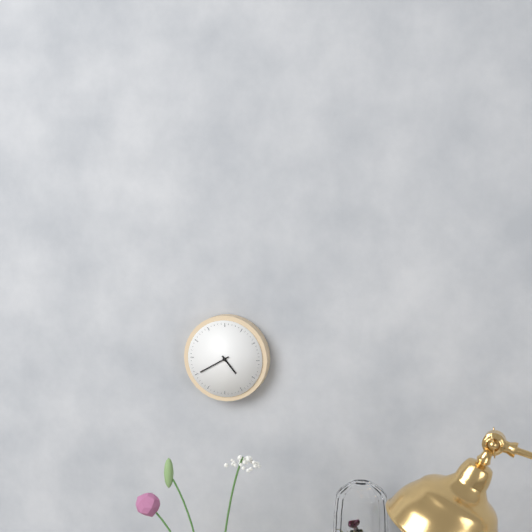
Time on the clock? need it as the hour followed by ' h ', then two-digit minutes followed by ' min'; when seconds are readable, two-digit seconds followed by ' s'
4 h 40 min
